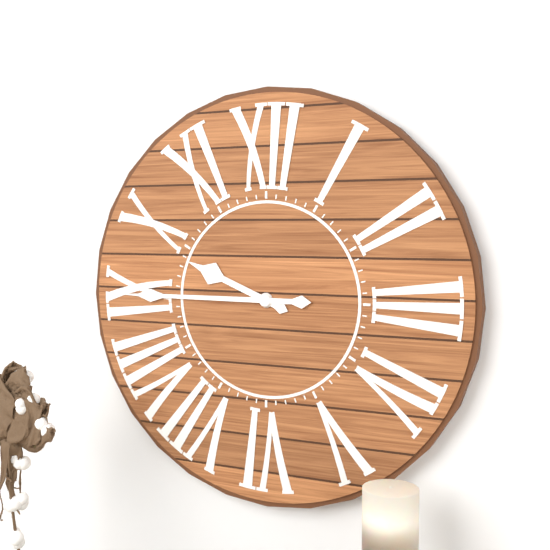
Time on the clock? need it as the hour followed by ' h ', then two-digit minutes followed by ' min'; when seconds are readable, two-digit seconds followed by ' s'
9 h 45 min
